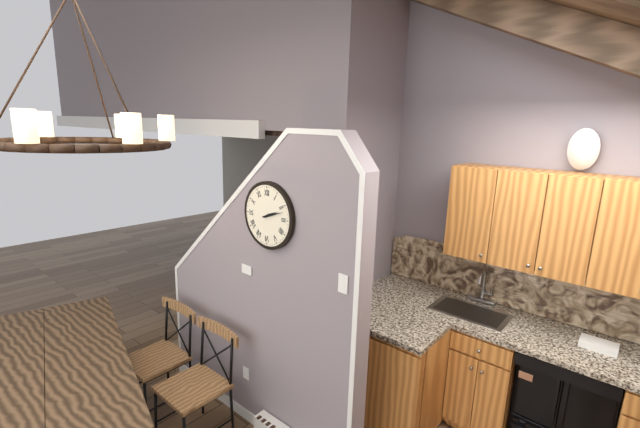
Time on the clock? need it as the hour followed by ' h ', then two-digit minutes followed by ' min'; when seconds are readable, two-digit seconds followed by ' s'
2 h 12 min
